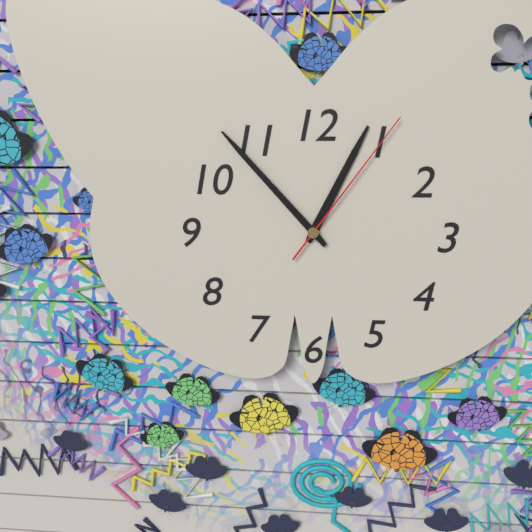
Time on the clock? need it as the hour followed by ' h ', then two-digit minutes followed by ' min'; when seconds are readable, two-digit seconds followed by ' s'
12 h 53 min 06 s
